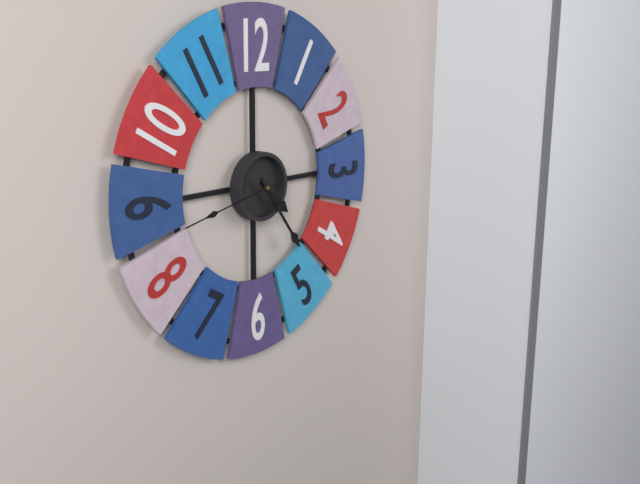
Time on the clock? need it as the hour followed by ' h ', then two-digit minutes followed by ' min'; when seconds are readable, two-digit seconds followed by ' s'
4 h 24 min 43 s
